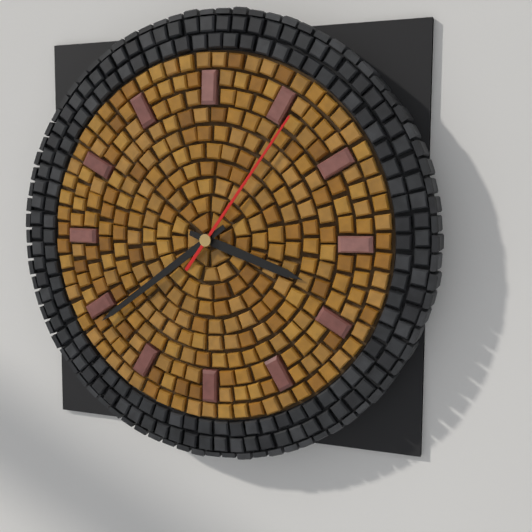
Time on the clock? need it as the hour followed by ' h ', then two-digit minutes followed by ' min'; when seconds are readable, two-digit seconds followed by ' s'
3 h 39 min 06 s
